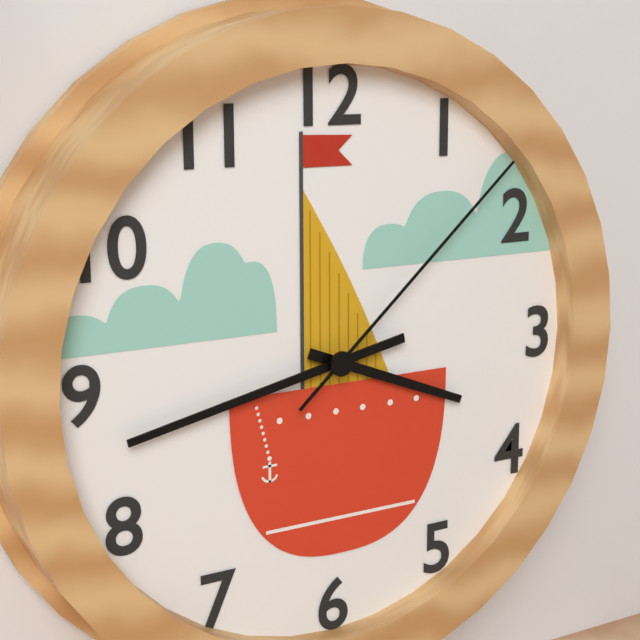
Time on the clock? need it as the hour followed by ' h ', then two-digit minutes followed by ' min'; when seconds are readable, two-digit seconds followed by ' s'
3 h 43 min 08 s
